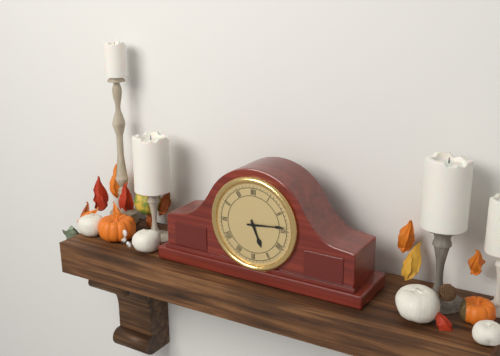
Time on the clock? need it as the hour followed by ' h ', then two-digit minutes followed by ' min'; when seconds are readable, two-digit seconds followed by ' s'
5 h 14 min
